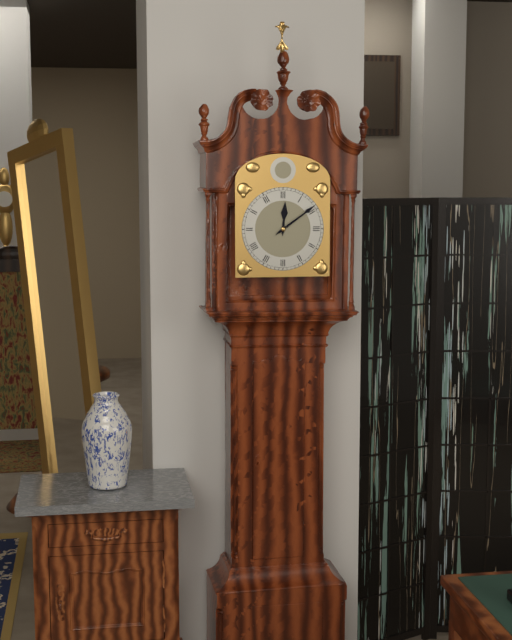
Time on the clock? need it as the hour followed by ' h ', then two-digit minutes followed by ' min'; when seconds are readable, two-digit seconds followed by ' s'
12 h 09 min
